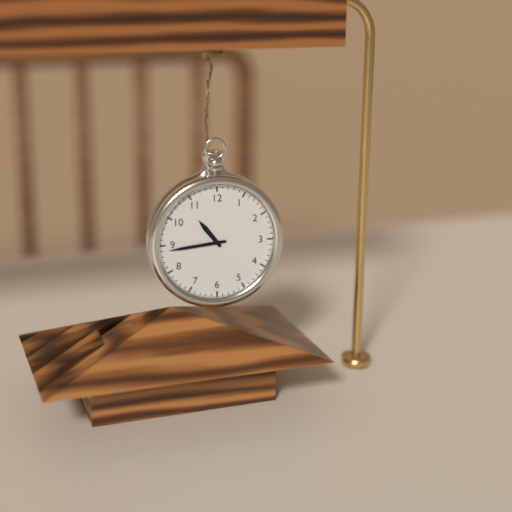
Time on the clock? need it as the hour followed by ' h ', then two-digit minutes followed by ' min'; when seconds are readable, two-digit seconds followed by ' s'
10 h 44 min
